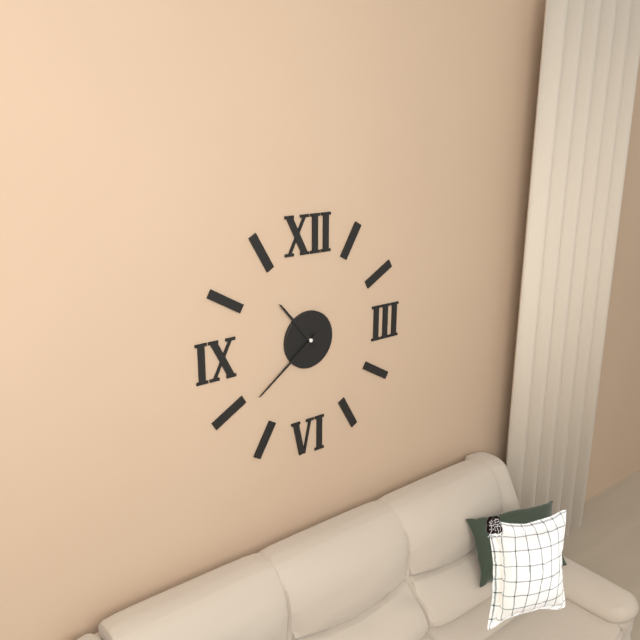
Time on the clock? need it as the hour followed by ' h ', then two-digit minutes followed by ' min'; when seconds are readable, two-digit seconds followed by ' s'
10 h 39 min
